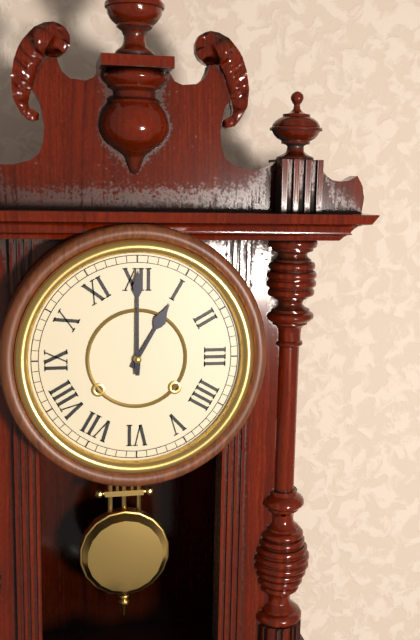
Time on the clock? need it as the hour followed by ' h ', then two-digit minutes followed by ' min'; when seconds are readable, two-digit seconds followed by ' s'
1 h 00 min
